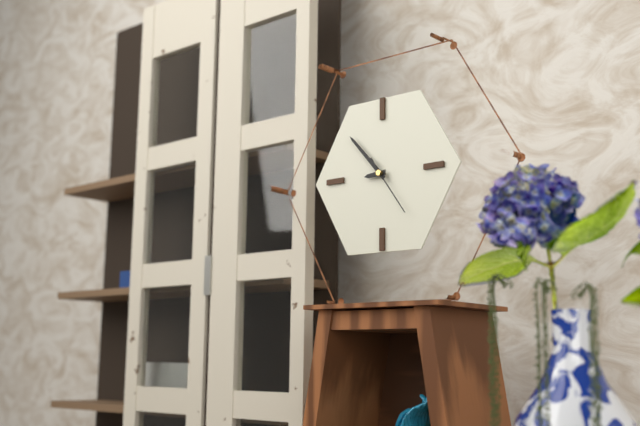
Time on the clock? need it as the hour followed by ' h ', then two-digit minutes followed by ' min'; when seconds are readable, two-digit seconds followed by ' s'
8 h 53 min 24 s
